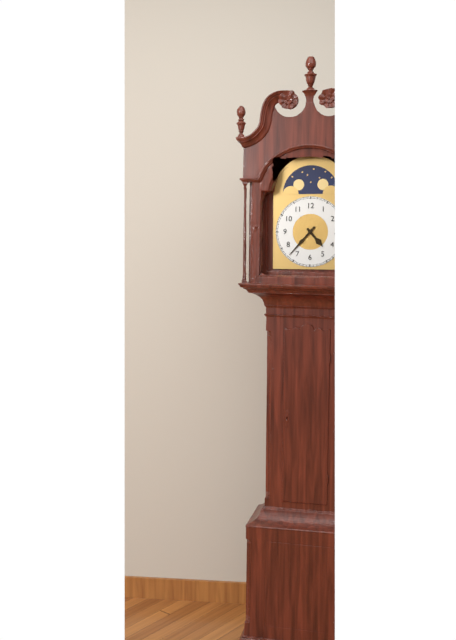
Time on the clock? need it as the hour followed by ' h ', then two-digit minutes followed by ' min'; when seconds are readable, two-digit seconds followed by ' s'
4 h 37 min
